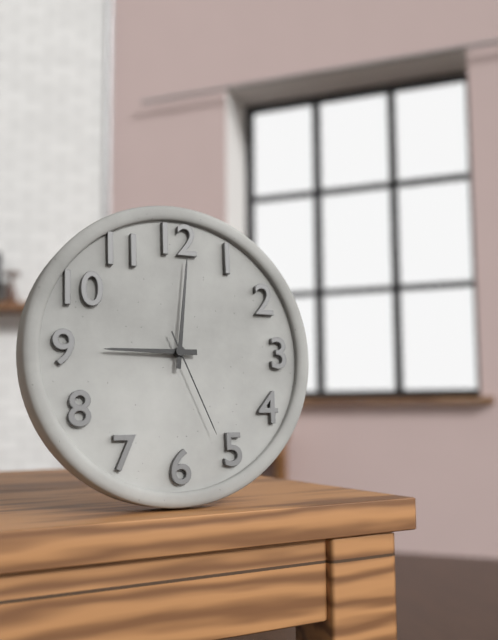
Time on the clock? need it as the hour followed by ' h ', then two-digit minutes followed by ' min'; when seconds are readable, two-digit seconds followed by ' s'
9 h 01 min 26 s
